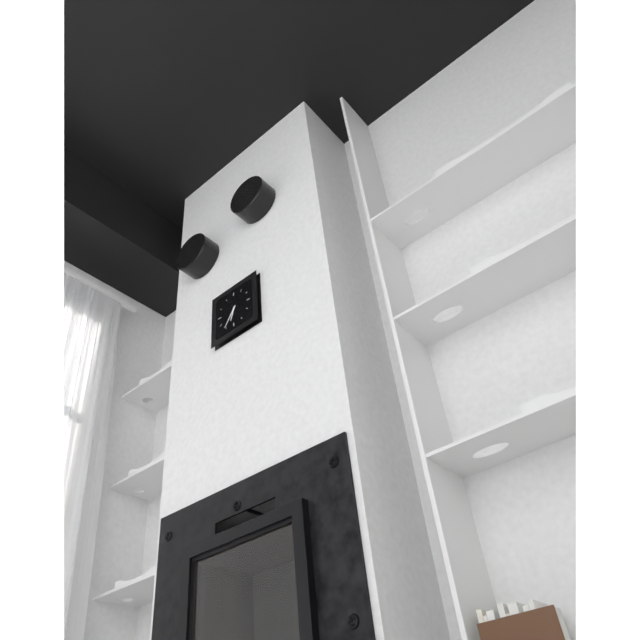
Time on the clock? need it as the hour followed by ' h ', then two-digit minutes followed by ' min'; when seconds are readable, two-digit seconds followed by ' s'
6 h 36 min
